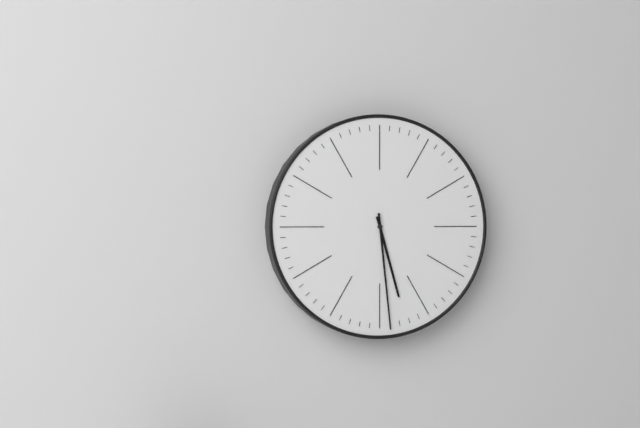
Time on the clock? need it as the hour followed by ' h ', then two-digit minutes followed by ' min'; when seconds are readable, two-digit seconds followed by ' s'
5 h 29 min
